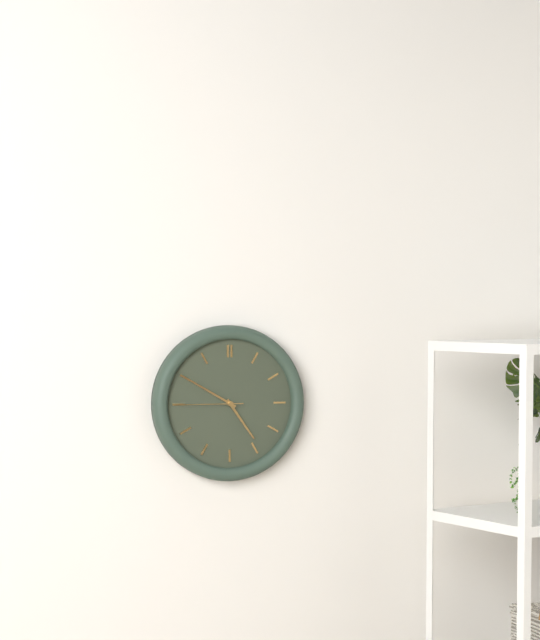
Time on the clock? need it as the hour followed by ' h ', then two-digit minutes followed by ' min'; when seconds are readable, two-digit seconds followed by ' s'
4 h 50 min 45 s
